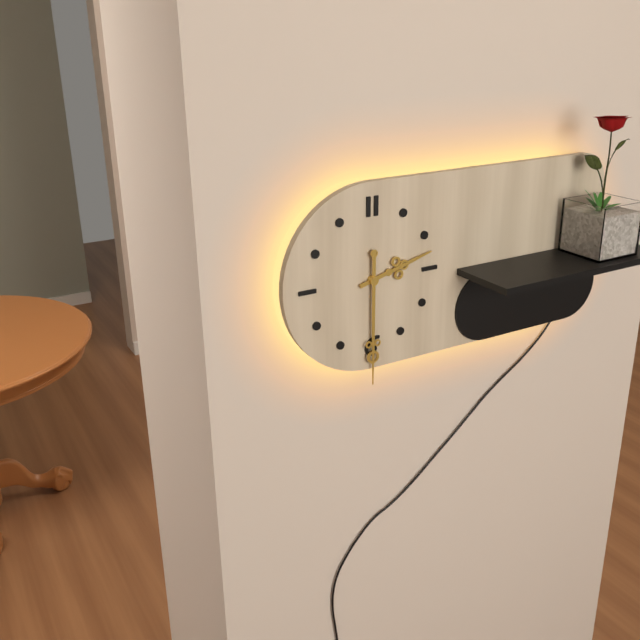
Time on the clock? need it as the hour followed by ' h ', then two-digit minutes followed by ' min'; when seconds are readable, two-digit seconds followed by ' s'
2 h 30 min
